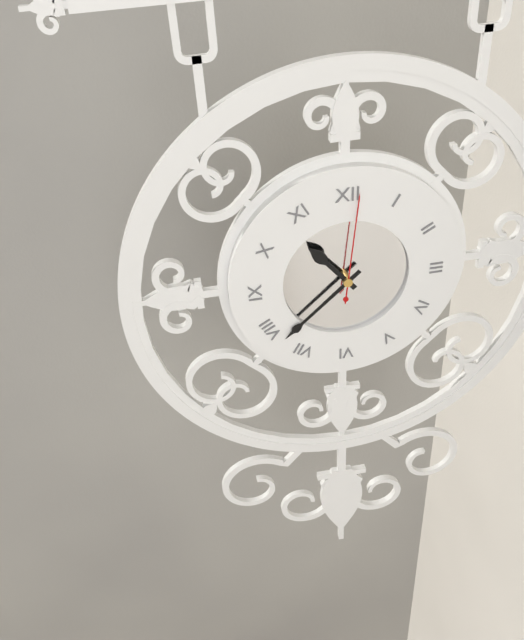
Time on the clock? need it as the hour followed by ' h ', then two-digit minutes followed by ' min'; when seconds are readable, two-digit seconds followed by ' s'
10 h 38 min 01 s
